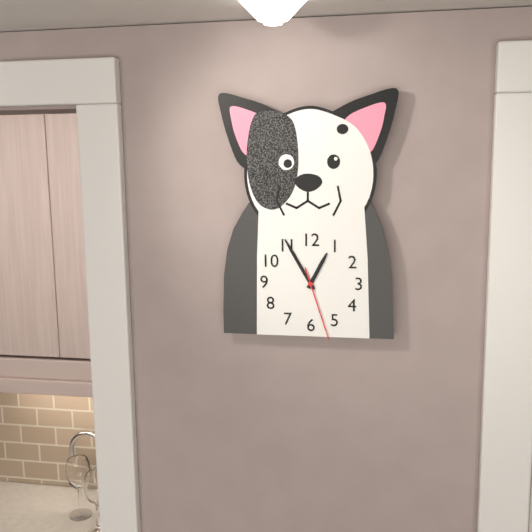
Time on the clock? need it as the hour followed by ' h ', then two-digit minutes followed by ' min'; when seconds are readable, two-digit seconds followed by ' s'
12 h 55 min 27 s
